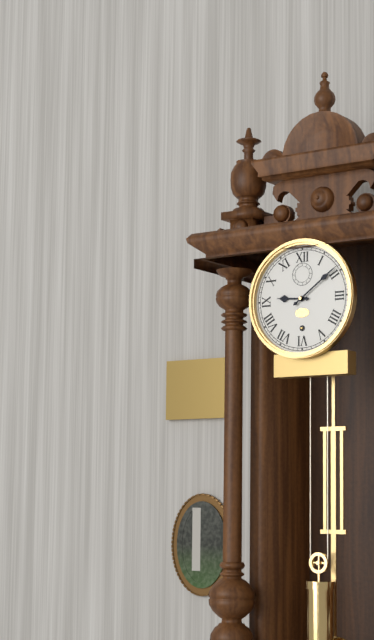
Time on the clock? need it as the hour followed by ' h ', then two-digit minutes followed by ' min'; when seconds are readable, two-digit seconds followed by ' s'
9 h 09 min
